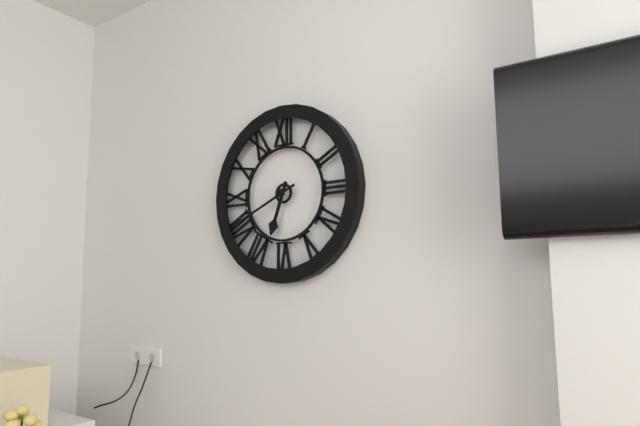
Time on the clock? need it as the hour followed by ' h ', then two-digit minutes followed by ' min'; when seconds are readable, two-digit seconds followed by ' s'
6 h 41 min
